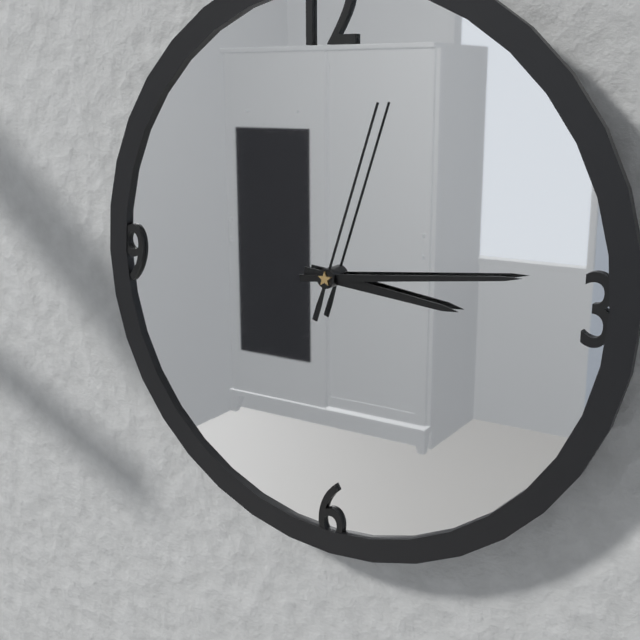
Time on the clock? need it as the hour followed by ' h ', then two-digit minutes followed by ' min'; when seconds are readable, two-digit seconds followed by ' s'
3 h 14 min 03 s
